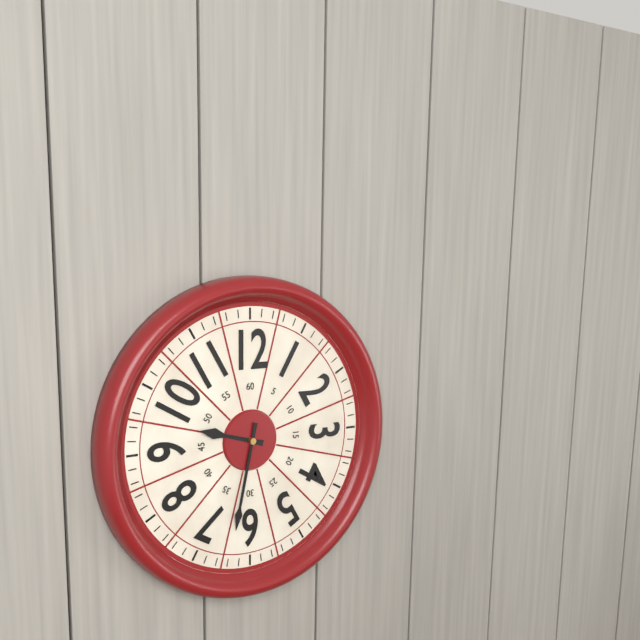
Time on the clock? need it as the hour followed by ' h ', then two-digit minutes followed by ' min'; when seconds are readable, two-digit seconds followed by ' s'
9 h 32 min
